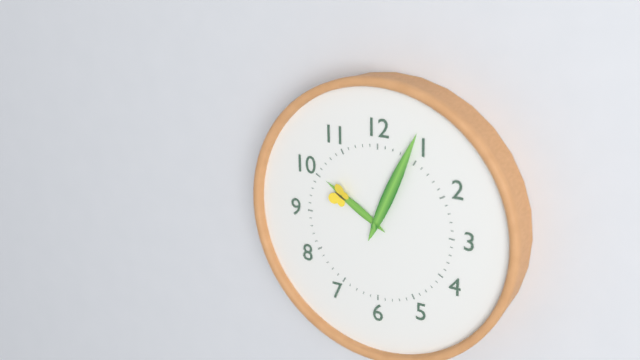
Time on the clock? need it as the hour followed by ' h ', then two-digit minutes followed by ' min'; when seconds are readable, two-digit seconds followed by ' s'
10 h 04 min
